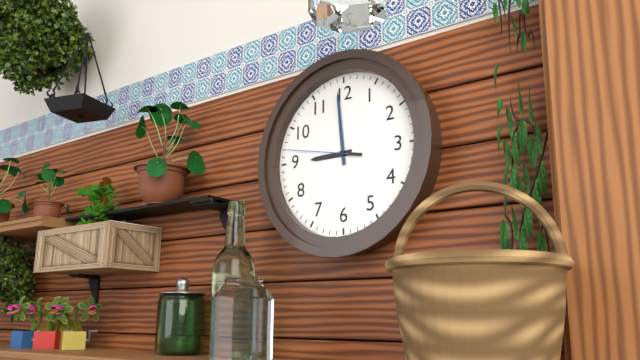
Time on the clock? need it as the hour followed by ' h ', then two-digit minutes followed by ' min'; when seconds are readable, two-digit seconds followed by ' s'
8 h 59 min 47 s
